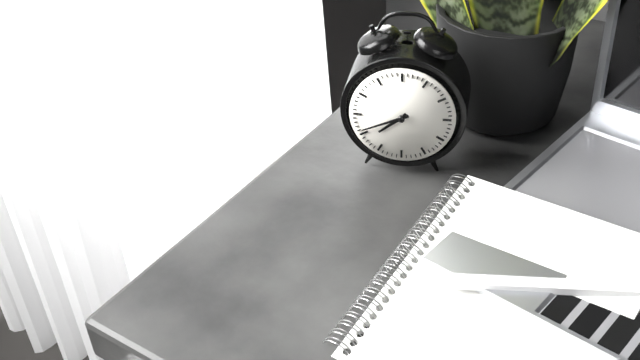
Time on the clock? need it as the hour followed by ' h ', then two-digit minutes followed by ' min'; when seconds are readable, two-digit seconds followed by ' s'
7 h 41 min
